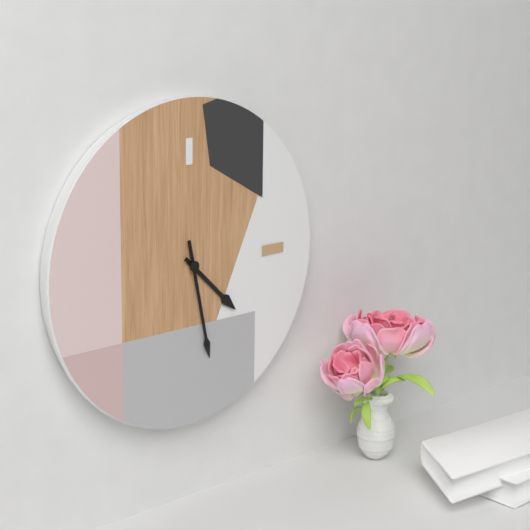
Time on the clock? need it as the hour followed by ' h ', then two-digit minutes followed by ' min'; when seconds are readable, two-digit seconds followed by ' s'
4 h 28 min
